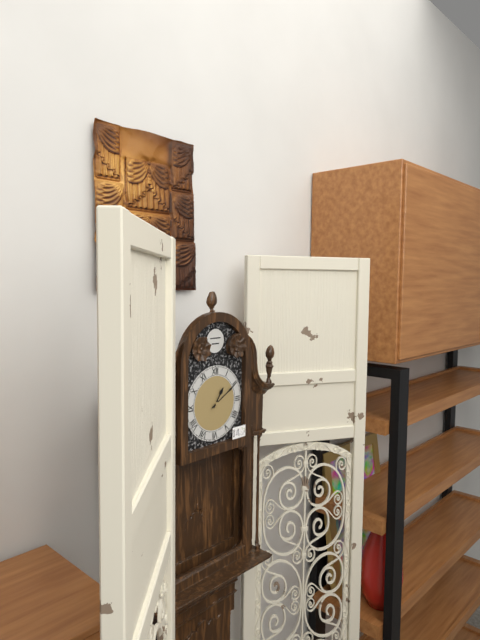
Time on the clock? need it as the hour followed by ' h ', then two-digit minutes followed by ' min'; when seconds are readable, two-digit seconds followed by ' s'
1 h 10 min
